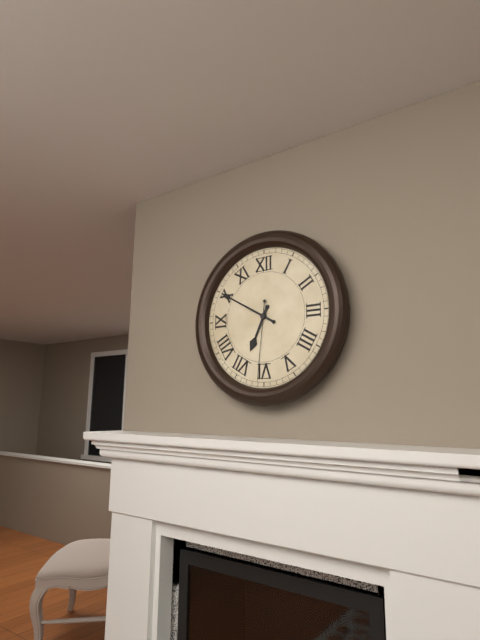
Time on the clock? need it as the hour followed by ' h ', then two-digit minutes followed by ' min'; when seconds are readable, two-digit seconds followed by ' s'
6 h 50 min 31 s
